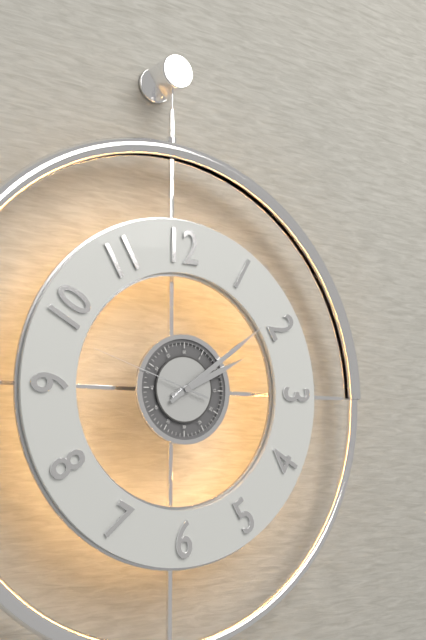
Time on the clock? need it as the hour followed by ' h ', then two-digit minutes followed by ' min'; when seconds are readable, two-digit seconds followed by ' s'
2 h 09 min 48 s
